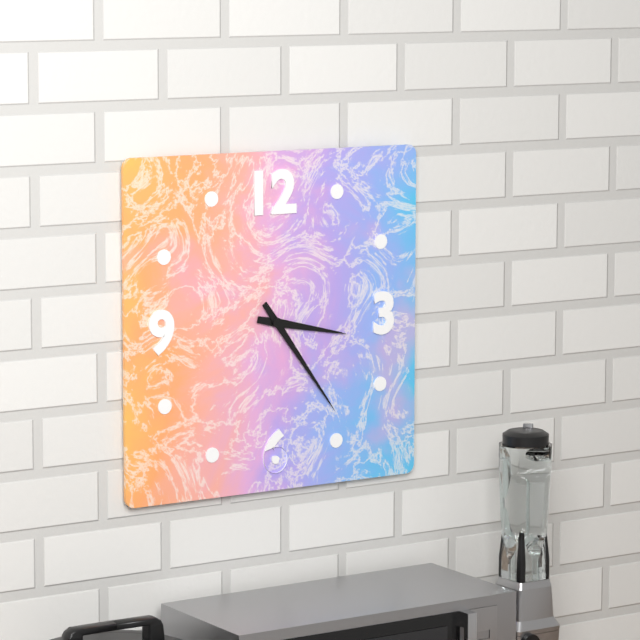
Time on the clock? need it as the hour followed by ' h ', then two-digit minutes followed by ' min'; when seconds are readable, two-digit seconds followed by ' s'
3 h 24 min
